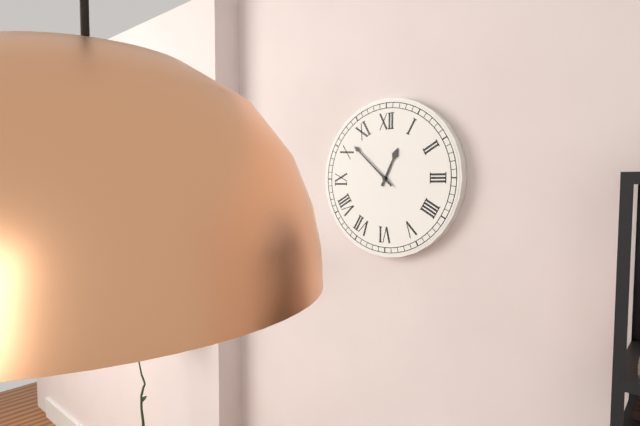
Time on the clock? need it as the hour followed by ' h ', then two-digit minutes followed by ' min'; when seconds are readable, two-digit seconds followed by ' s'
12 h 52 min
